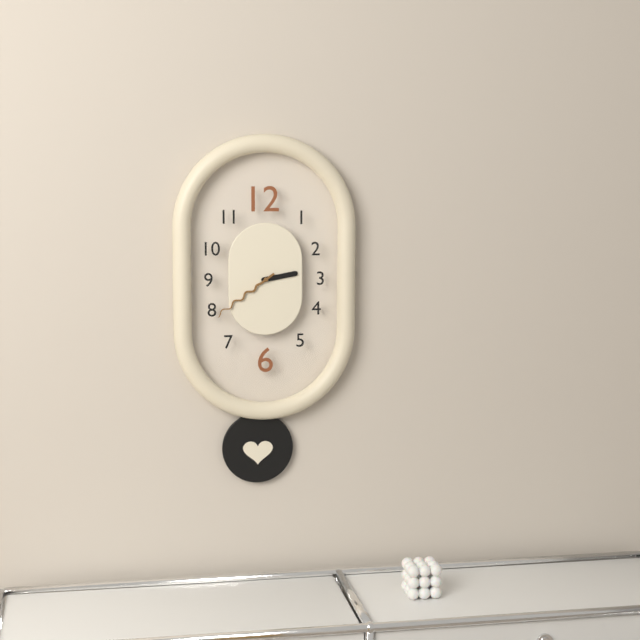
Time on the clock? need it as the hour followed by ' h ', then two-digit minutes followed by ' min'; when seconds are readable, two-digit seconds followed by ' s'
2 h 39 min
